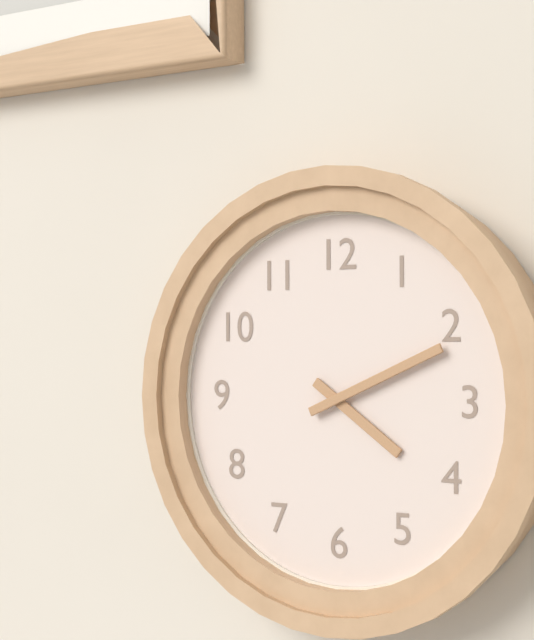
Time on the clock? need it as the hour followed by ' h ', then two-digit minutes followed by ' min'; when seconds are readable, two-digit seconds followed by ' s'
4 h 11 min
